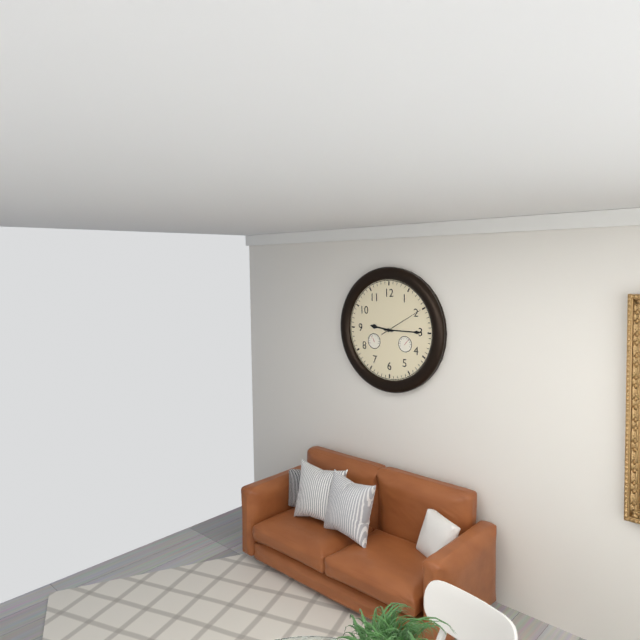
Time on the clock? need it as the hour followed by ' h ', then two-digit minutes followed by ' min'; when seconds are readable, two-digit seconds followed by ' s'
9 h 15 min
